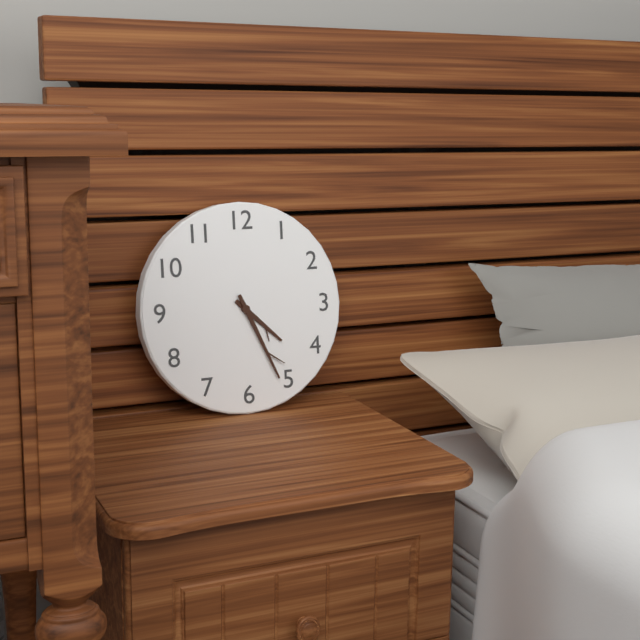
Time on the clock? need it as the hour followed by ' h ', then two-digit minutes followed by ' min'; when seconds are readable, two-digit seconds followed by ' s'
4 h 26 min
